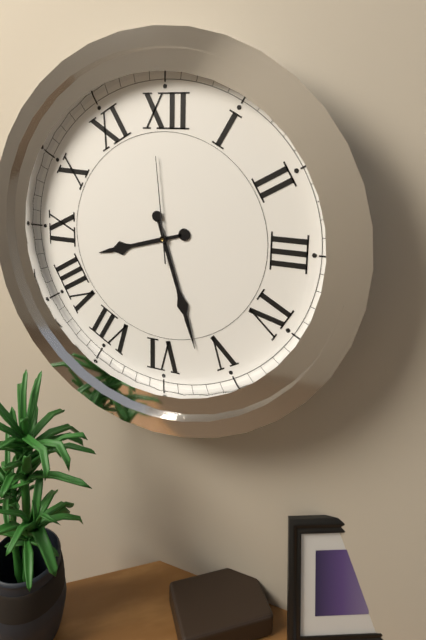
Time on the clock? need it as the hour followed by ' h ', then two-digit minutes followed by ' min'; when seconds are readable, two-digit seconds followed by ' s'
8 h 27 min 59 s
